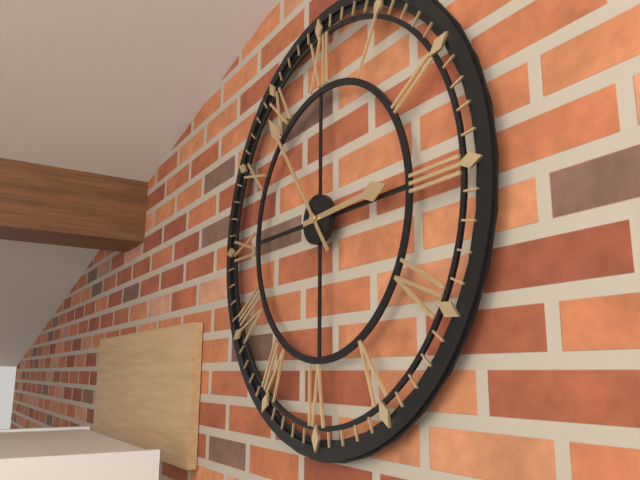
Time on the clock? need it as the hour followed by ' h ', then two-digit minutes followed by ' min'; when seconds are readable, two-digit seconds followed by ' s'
2 h 54 min
